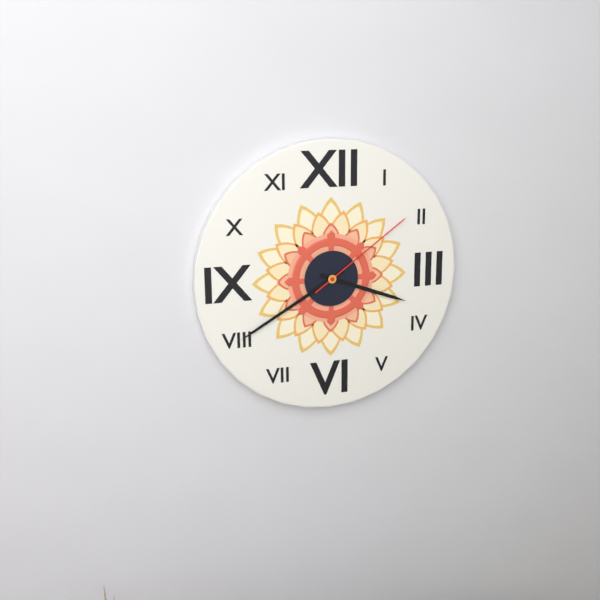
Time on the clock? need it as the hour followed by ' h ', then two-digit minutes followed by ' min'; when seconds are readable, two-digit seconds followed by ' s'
3 h 40 min 09 s
